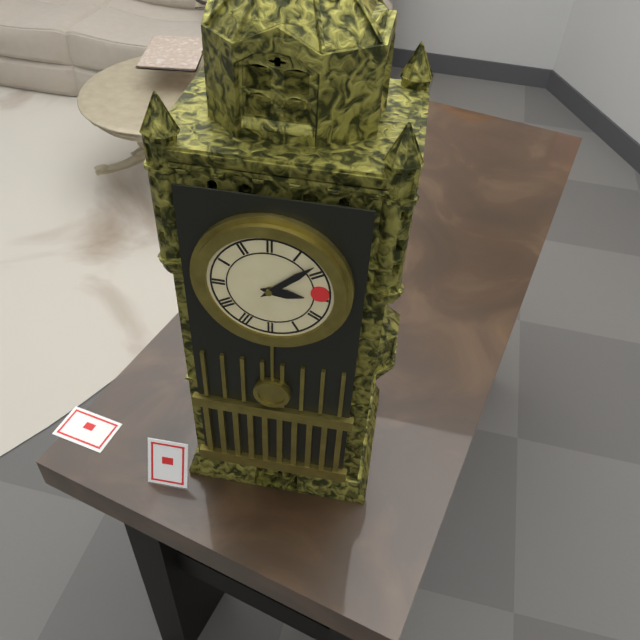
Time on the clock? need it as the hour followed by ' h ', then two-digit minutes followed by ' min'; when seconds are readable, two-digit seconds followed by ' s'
3 h 08 min
